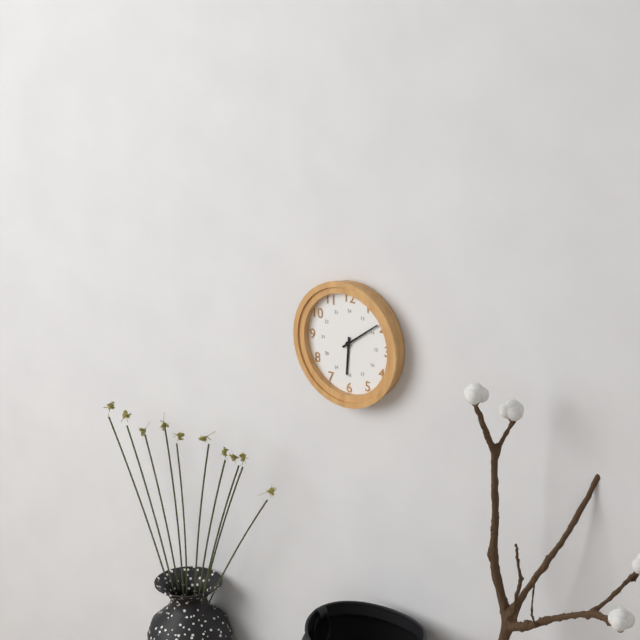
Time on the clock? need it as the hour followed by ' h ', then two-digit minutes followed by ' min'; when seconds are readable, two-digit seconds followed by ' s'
6 h 09 min
